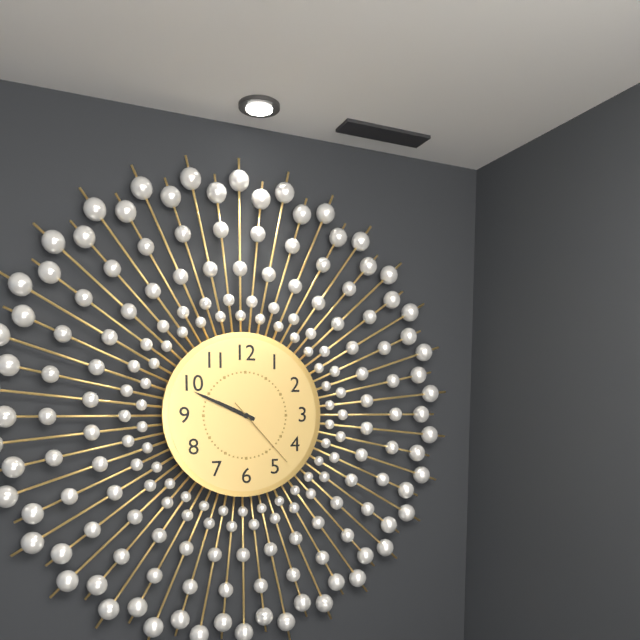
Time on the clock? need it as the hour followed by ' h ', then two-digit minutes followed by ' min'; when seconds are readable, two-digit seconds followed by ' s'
9 h 49 min 23 s
